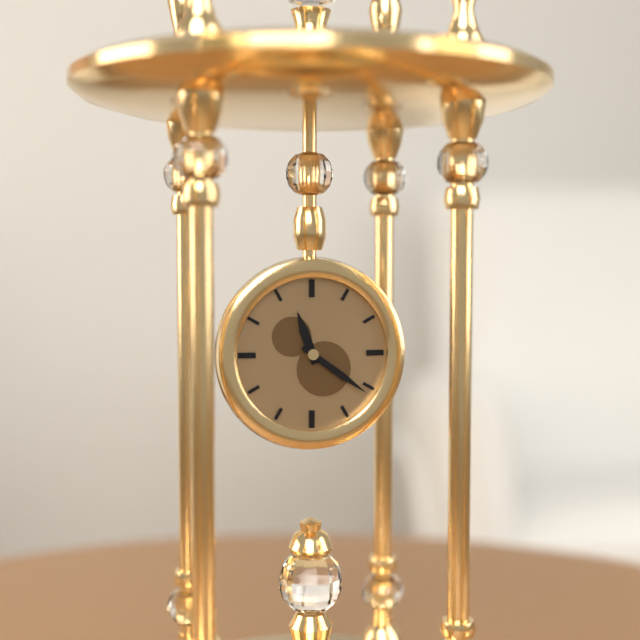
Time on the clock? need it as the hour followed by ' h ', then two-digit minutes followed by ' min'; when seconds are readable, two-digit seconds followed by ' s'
11 h 21 min
